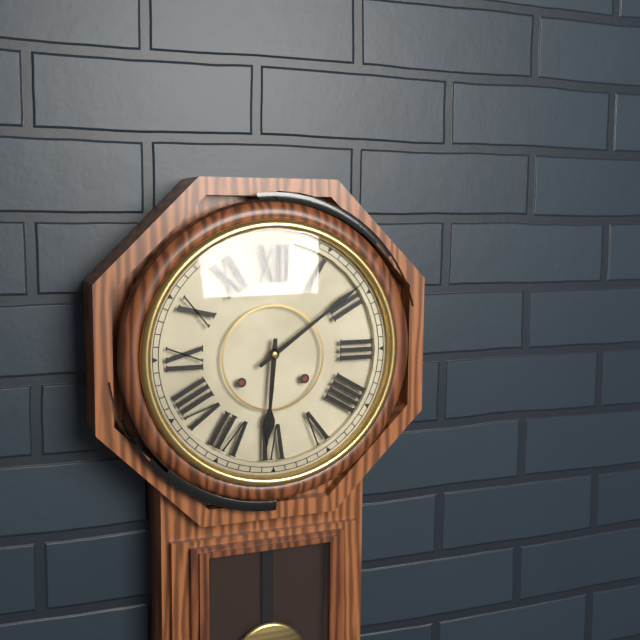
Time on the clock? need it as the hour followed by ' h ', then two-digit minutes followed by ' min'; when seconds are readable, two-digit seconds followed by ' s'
6 h 09 min
